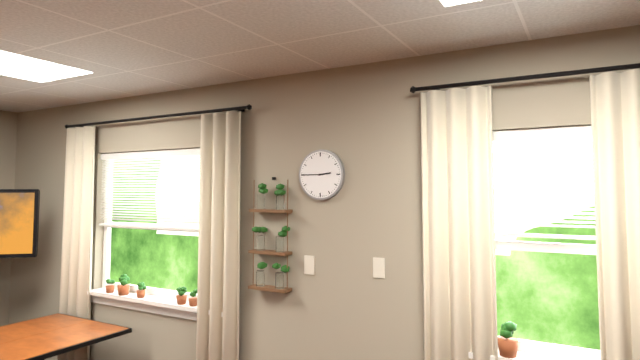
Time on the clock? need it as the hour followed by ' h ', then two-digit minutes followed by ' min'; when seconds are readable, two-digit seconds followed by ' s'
2 h 45 min
